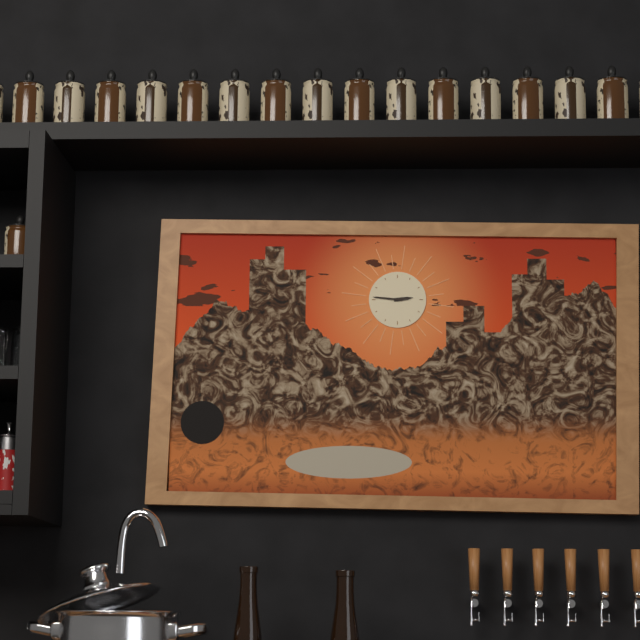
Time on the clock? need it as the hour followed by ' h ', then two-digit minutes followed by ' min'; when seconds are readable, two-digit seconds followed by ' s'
2 h 46 min
